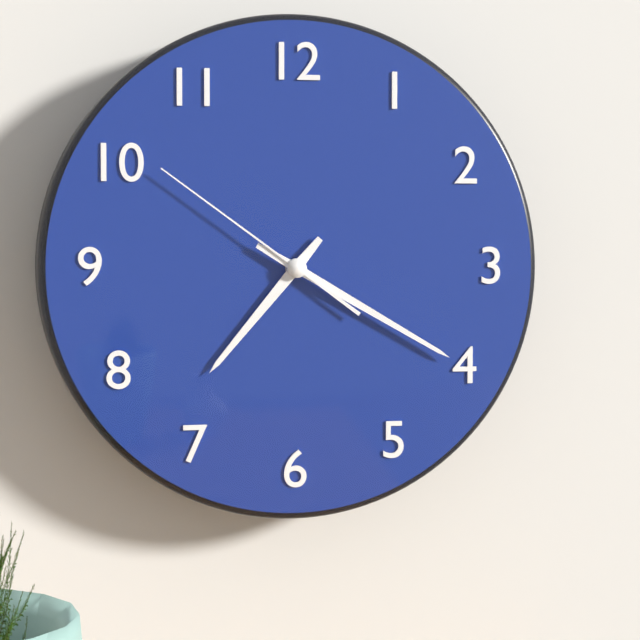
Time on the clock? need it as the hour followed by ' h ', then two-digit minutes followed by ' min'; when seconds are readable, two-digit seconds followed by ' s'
7 h 20 min 51 s
